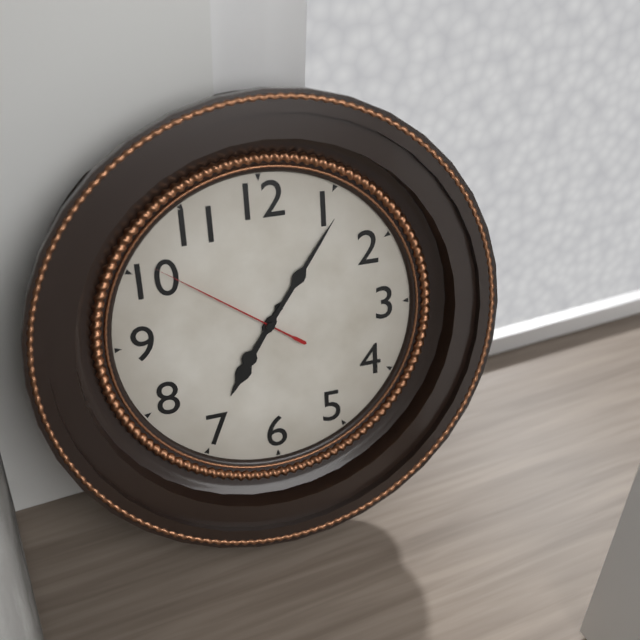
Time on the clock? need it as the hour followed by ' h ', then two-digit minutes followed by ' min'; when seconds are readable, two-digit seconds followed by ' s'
7 h 06 min 51 s
